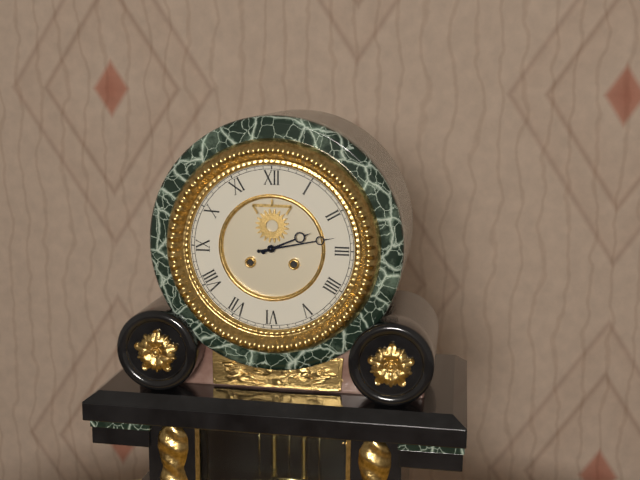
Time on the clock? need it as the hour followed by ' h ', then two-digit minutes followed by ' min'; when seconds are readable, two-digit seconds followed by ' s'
2 h 13 min
